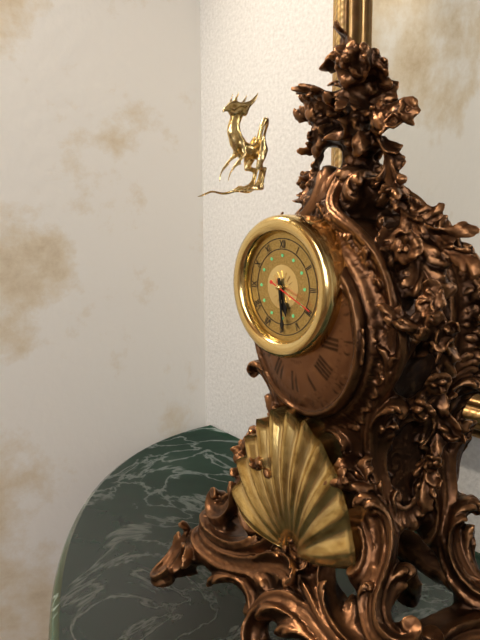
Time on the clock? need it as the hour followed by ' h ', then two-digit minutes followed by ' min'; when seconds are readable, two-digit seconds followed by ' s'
5 h 29 min
